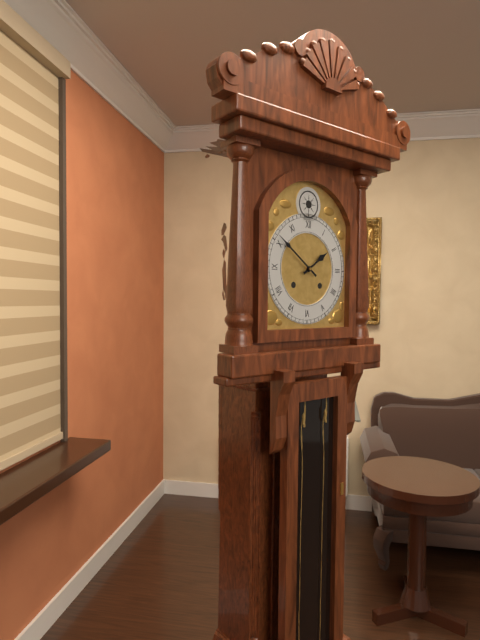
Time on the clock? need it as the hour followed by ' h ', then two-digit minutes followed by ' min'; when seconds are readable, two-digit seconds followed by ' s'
1 h 51 min
